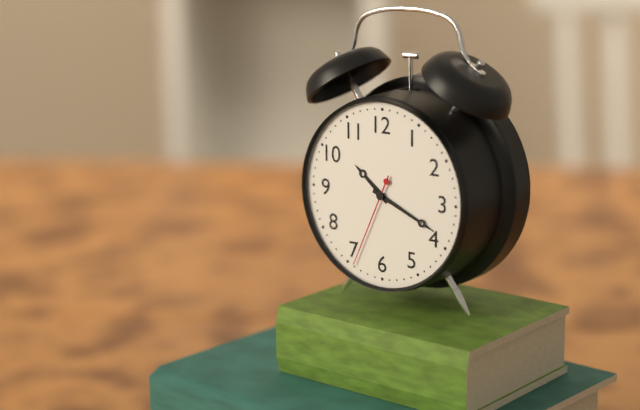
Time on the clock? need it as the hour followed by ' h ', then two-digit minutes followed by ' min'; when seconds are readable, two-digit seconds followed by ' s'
10 h 19 min 34 s
